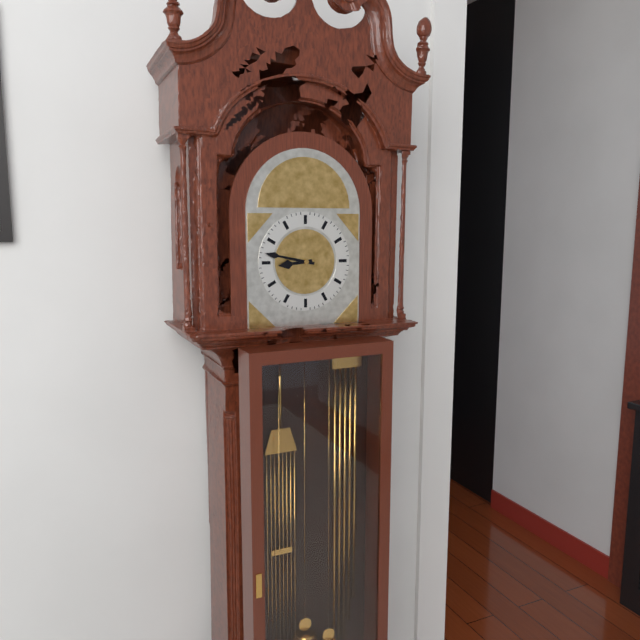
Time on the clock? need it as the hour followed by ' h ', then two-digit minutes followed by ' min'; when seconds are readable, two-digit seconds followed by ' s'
8 h 47 min
